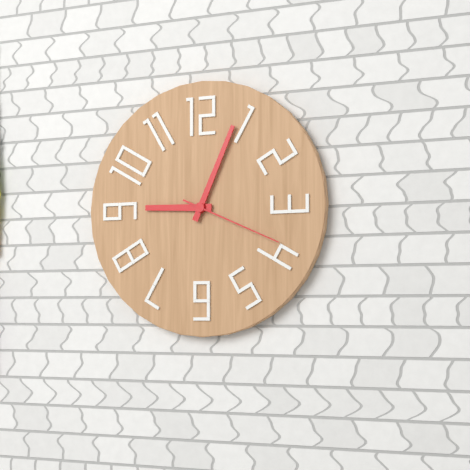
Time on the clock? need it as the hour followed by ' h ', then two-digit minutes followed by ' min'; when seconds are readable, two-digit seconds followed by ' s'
9 h 04 min 19 s
